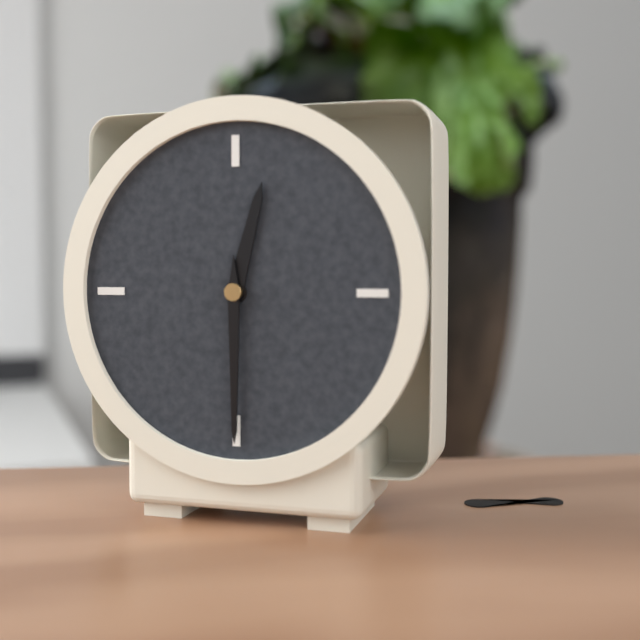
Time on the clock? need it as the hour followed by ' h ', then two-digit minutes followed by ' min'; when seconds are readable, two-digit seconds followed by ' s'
12 h 30 min
